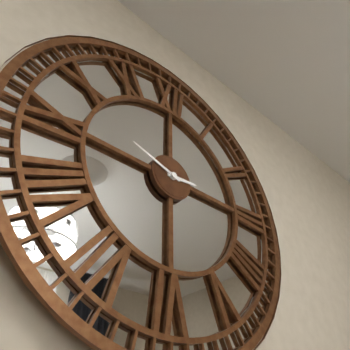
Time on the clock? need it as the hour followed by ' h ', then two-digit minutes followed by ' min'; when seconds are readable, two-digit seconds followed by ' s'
2 h 48 min
